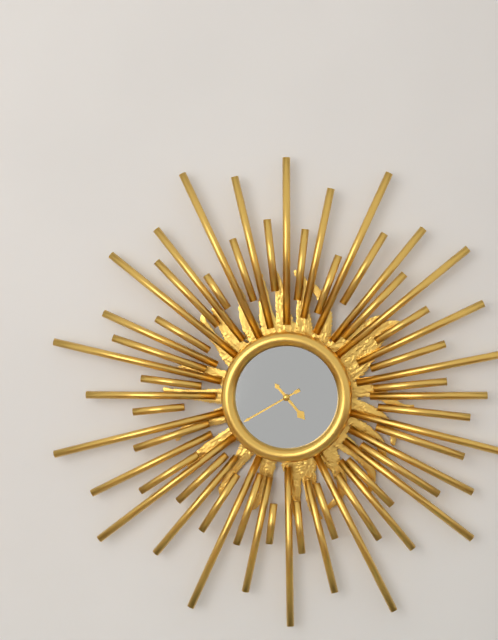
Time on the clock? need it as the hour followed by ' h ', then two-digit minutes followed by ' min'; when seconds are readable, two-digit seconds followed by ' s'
4 h 40 min
